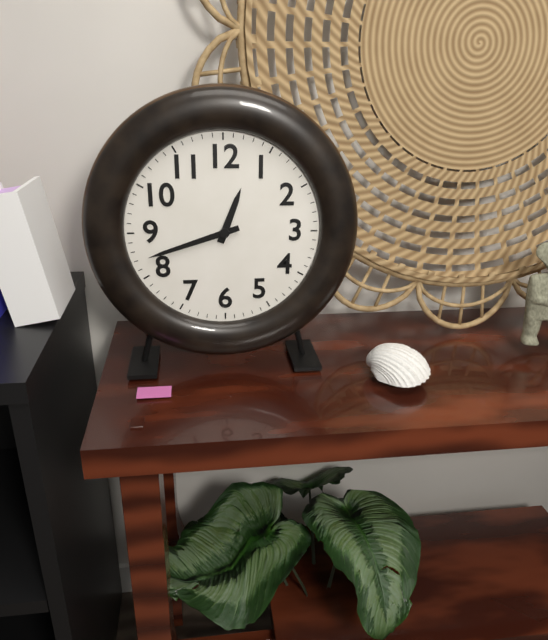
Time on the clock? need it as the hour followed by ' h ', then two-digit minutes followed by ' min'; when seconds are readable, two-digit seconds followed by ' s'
12 h 42 min
